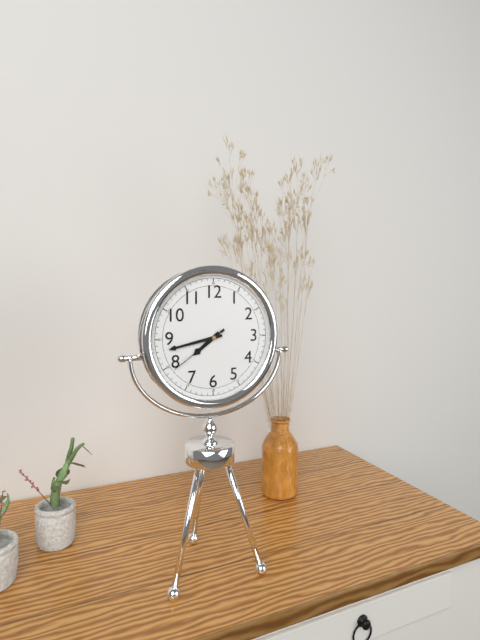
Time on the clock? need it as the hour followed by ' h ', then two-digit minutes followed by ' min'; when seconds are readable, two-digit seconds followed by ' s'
7 h 43 min 39 s
